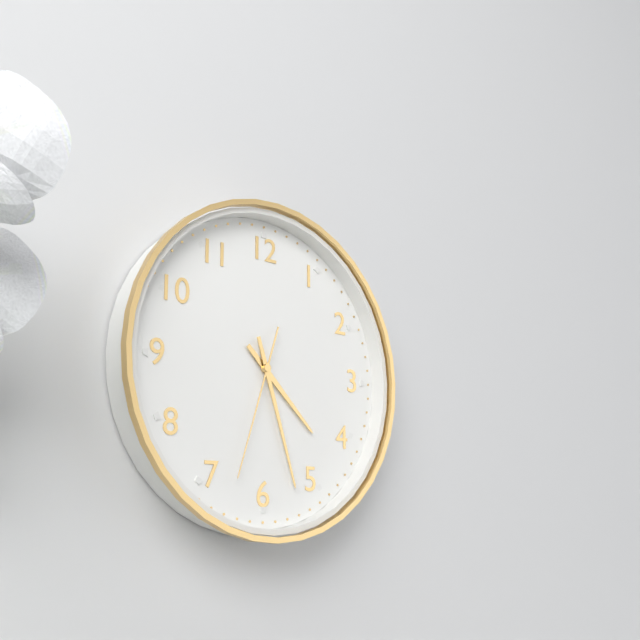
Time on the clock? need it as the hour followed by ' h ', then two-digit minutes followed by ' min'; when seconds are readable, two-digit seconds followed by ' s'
4 h 27 min 33 s
